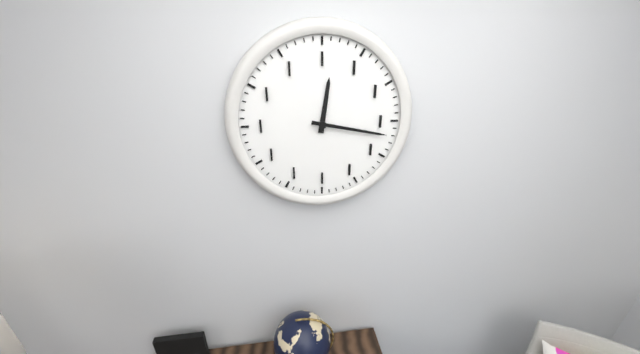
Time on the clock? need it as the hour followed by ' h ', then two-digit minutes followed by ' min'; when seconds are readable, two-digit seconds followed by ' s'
12 h 17 min
